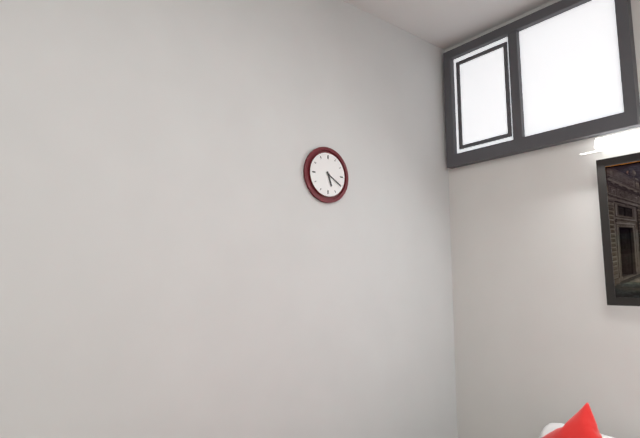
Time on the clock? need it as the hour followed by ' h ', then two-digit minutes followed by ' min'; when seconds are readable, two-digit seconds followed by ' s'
5 h 20 min
